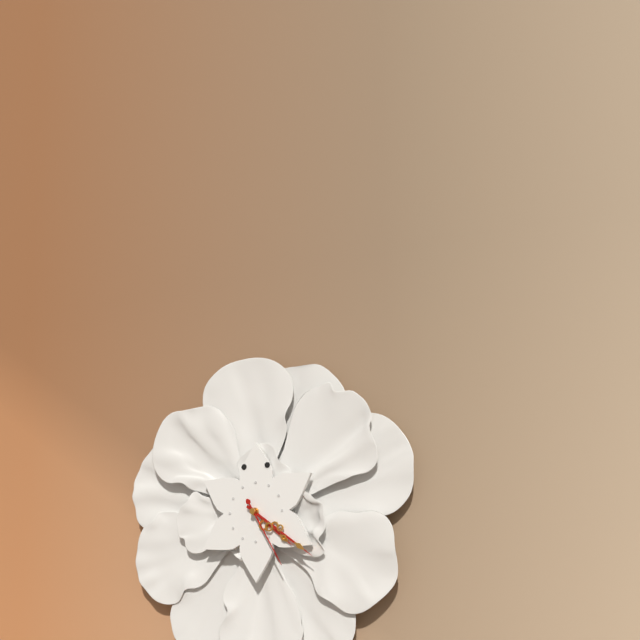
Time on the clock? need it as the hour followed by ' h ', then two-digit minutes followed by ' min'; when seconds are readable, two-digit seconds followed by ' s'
4 h 21 min 25 s
